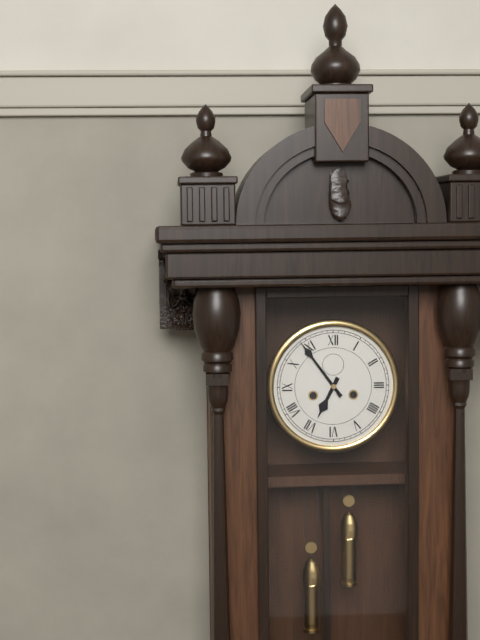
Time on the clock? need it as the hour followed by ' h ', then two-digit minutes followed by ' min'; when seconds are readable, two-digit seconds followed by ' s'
6 h 54 min
